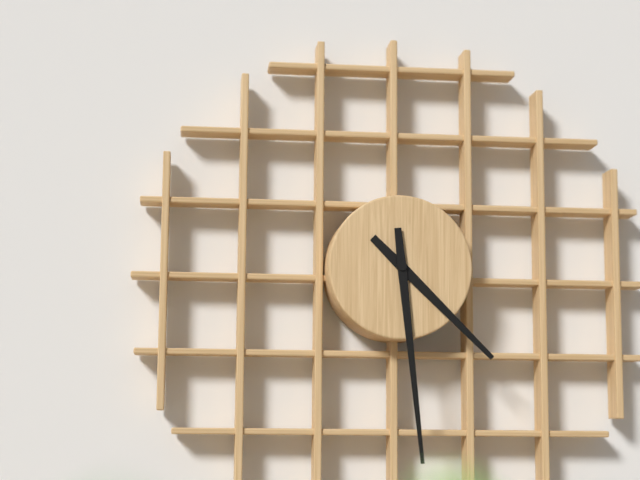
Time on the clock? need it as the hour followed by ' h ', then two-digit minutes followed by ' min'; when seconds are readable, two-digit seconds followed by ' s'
4 h 29 min
